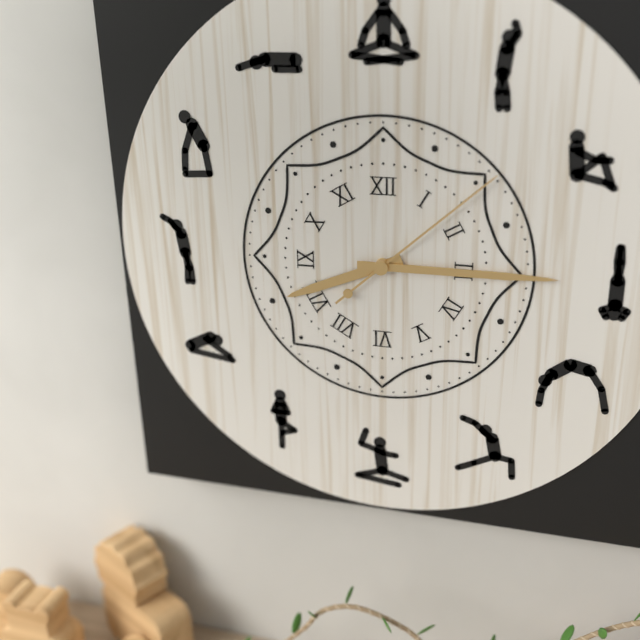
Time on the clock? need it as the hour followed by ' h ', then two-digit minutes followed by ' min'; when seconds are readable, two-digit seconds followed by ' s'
8 h 15 min 08 s
